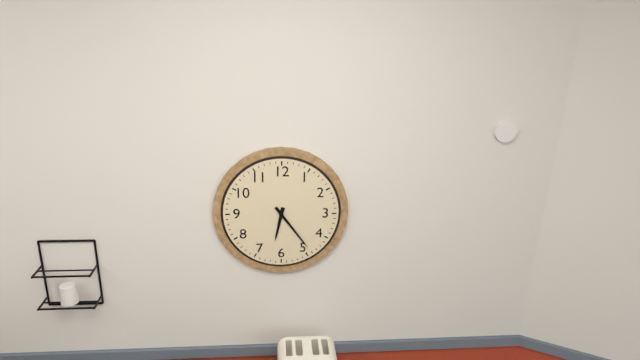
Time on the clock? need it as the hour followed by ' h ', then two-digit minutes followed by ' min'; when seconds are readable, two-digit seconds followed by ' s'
6 h 24 min
